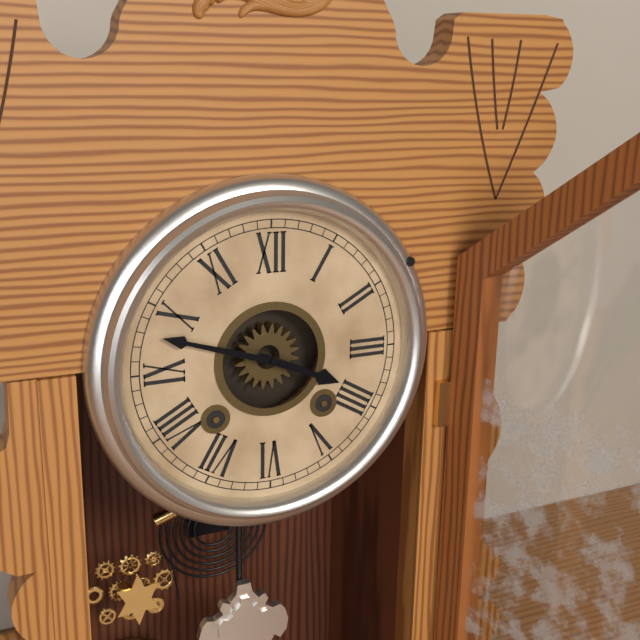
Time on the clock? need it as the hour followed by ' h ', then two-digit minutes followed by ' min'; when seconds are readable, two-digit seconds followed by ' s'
3 h 48 min
